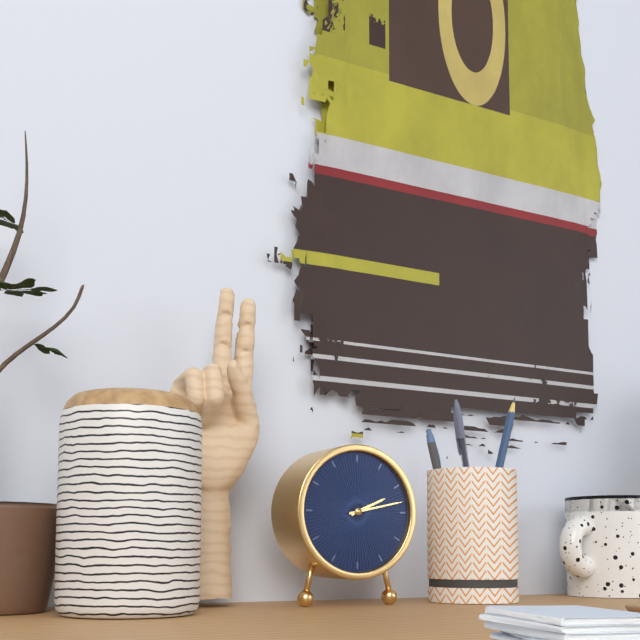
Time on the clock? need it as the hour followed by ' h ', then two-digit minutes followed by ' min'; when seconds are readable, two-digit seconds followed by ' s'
2 h 13 min
